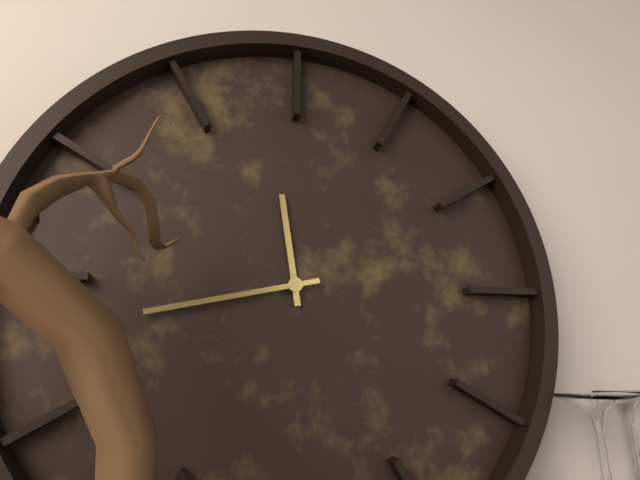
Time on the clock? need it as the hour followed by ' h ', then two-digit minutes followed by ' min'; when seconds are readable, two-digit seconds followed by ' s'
11 h 43 min
